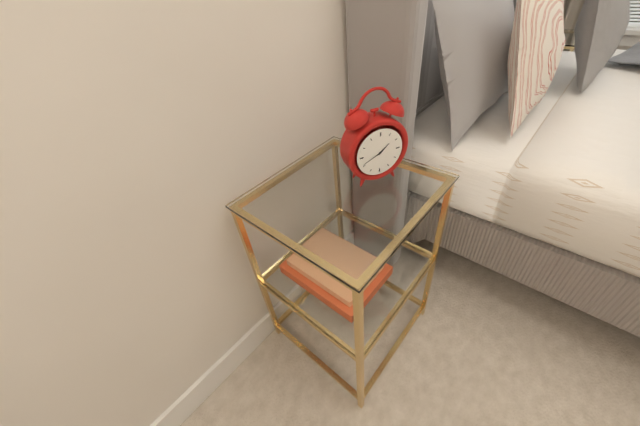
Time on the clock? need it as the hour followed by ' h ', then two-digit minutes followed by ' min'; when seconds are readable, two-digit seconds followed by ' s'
1 h 41 min
